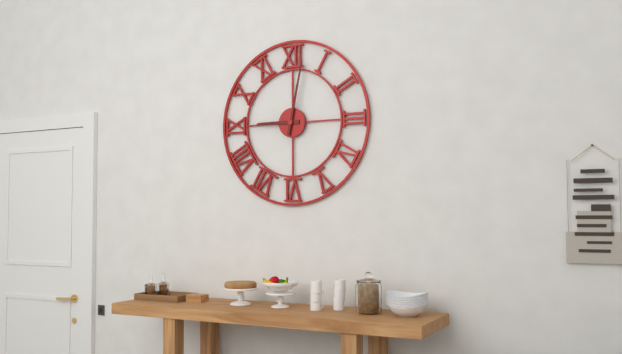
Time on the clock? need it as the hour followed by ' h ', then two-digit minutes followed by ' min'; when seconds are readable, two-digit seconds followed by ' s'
9 h 02 min
